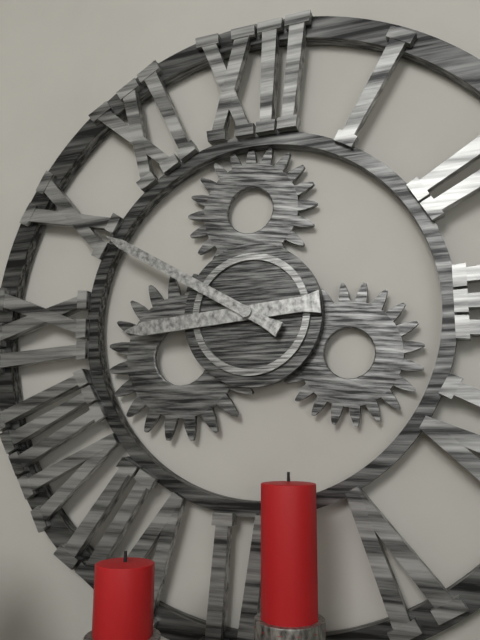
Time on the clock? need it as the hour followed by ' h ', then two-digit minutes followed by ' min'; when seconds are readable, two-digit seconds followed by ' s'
8 h 50 min
